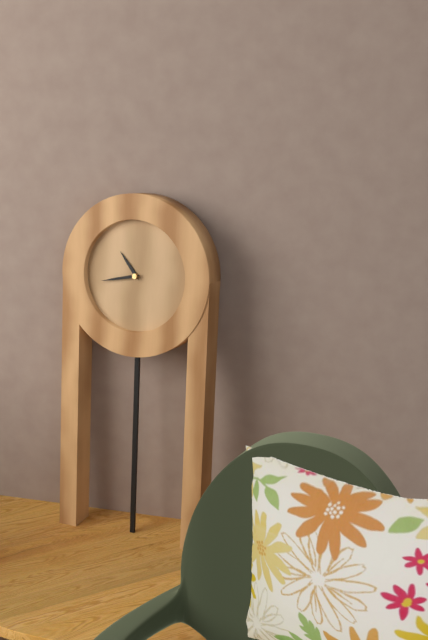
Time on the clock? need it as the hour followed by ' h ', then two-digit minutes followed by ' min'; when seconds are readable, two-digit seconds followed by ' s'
10 h 43 min
